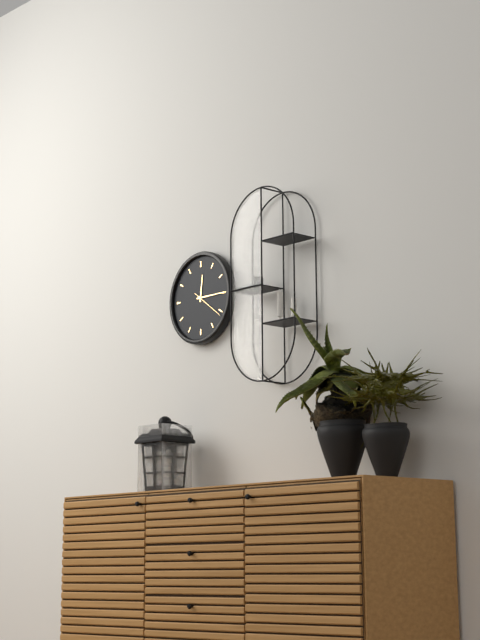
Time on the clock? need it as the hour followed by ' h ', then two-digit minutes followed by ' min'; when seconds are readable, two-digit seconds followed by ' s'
12 h 15 min
